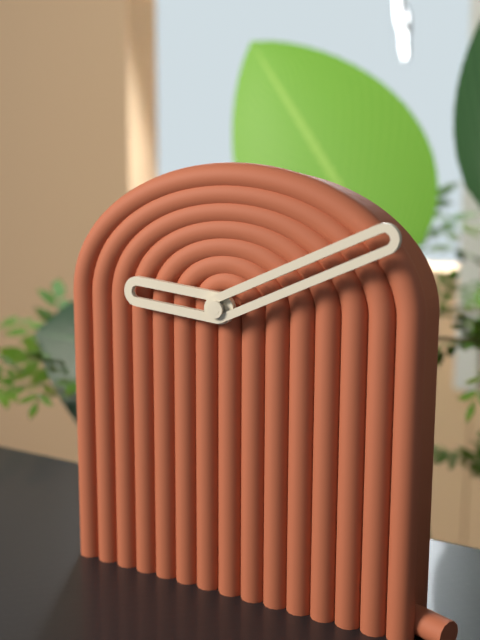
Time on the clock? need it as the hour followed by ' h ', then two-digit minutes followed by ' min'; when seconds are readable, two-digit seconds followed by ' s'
9 h 11 min
